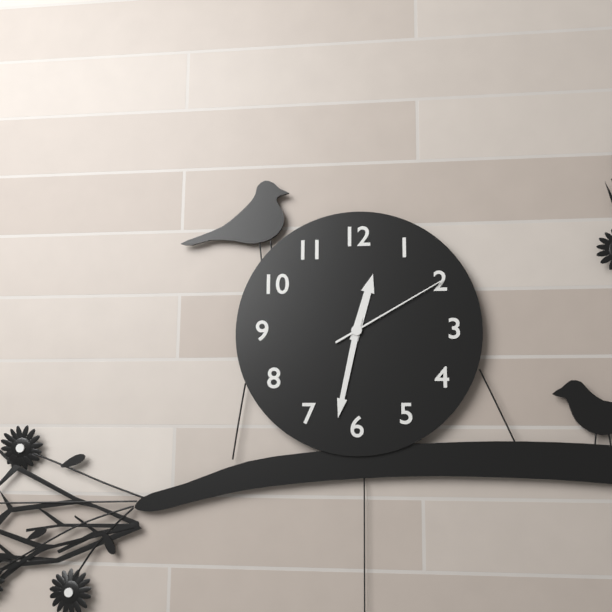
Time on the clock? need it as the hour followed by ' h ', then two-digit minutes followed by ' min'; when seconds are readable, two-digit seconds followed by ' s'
12 h 32 min 10 s
